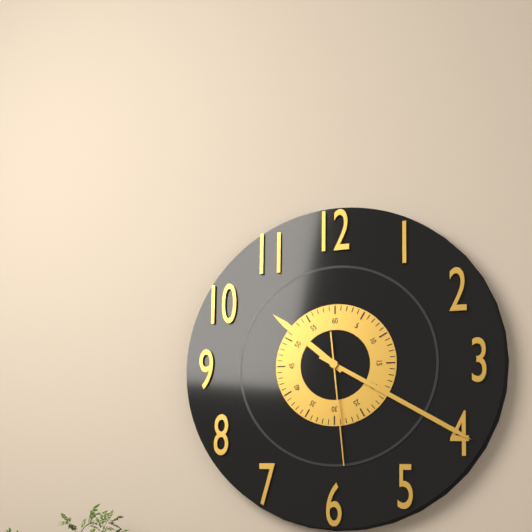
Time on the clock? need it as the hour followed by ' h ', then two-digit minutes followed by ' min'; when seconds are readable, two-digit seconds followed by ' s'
10 h 20 min 29 s
